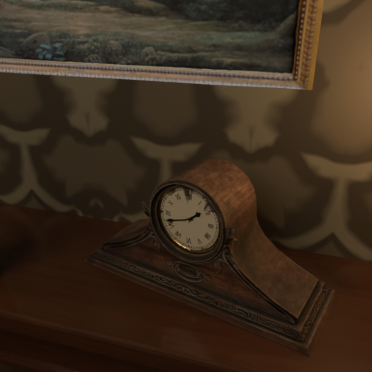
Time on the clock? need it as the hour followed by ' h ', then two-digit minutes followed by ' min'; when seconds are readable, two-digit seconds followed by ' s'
1 h 42 min
